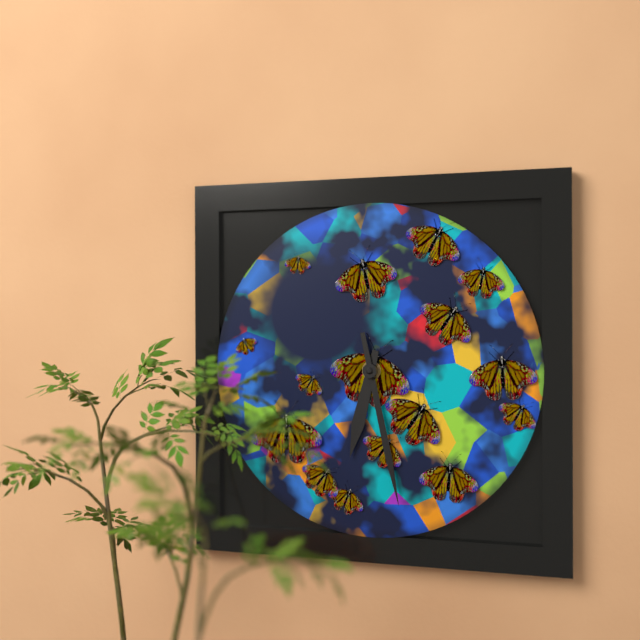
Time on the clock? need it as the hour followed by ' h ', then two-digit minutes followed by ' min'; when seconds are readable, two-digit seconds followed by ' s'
6 h 28 min
